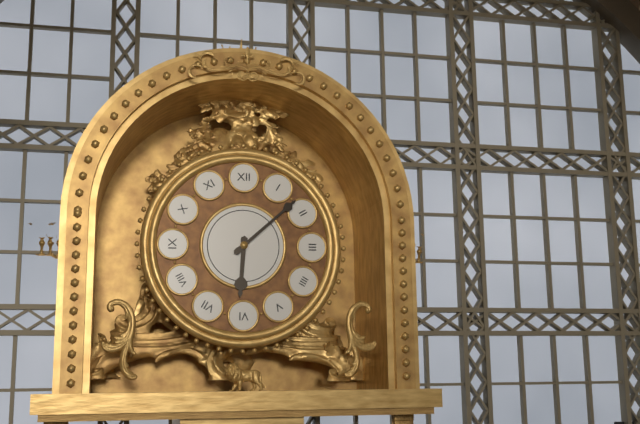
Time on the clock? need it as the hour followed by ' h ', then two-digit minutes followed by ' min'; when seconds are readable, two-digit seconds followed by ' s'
6 h 08 min
